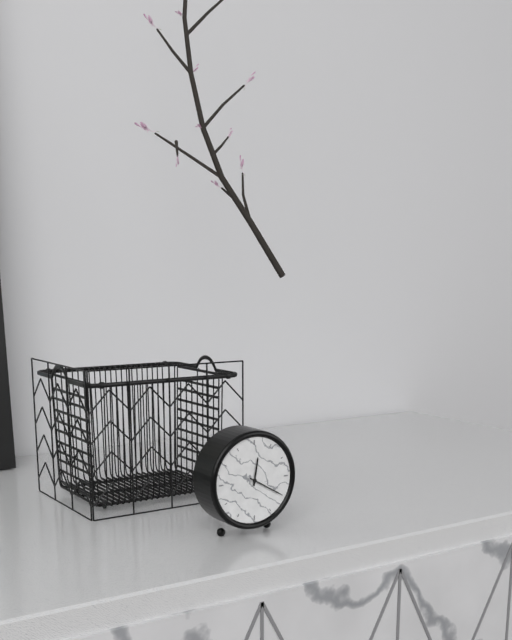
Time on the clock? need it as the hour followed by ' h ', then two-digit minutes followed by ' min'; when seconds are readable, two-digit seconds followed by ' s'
12 h 20 min
